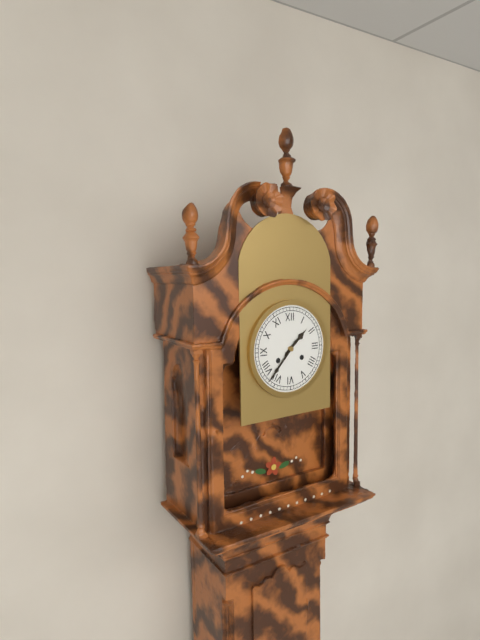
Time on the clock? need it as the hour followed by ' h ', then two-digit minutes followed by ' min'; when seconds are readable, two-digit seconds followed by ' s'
1 h 37 min
